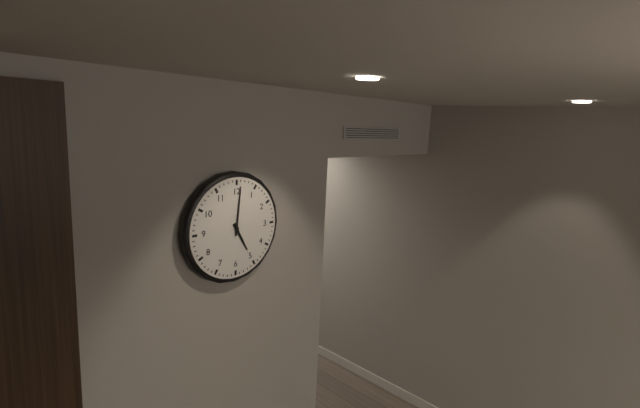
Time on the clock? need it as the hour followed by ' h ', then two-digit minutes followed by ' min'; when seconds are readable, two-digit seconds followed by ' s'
5 h 01 min
